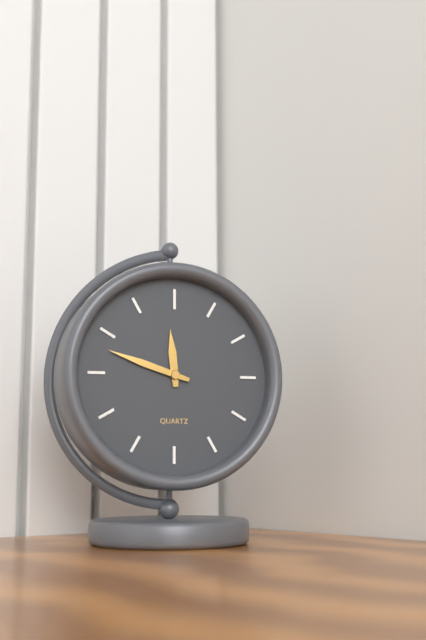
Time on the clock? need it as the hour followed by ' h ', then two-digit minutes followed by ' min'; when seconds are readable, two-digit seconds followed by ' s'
11 h 48 min
